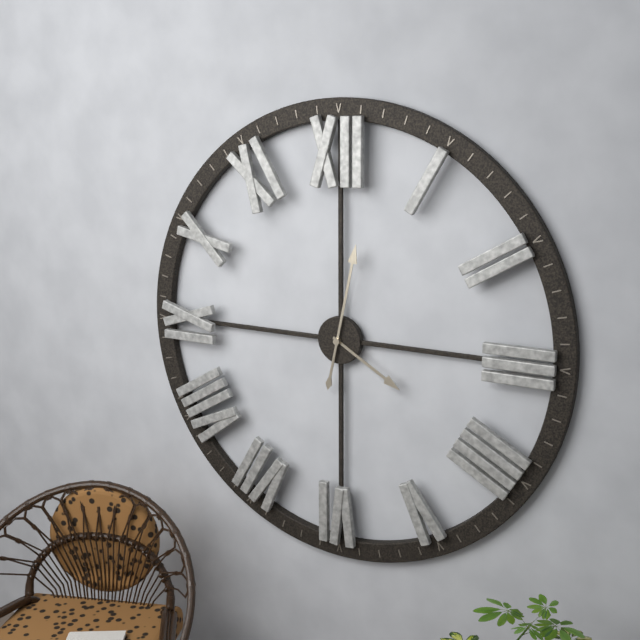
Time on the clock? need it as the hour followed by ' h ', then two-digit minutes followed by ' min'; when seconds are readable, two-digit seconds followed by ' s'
4 h 02 min
